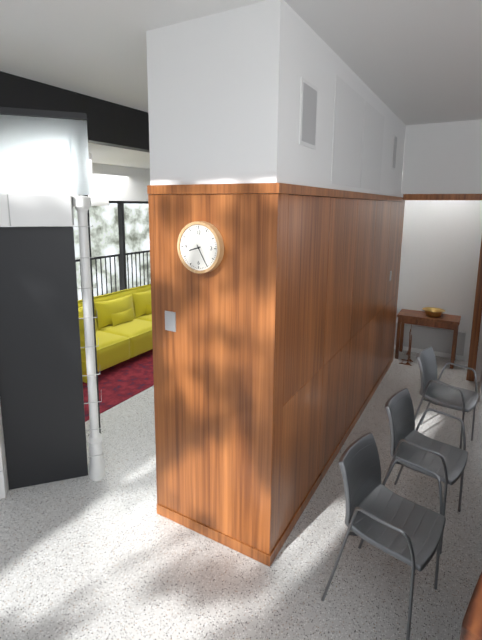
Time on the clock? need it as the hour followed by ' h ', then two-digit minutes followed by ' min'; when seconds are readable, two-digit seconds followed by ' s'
8 h 25 min
